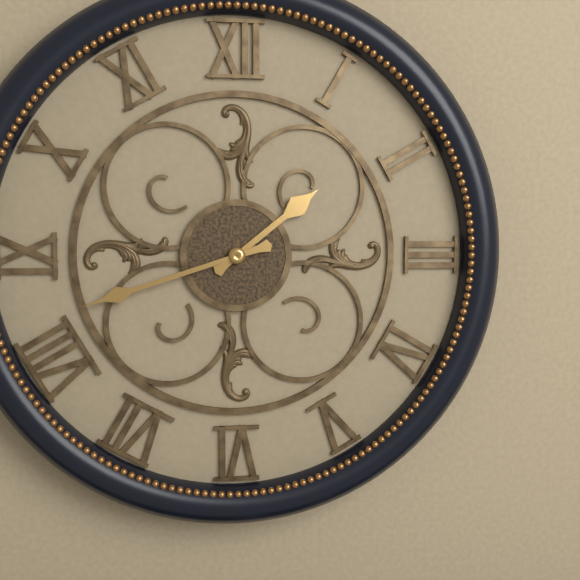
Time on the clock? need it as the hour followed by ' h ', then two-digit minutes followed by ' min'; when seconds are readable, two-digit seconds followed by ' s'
1 h 42 min
